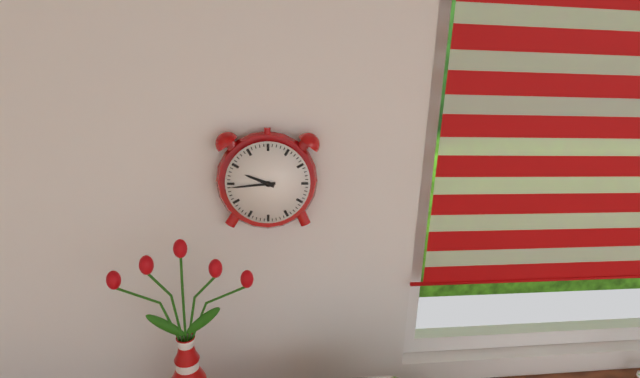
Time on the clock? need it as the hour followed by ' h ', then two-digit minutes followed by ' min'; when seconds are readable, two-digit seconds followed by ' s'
9 h 44 min
